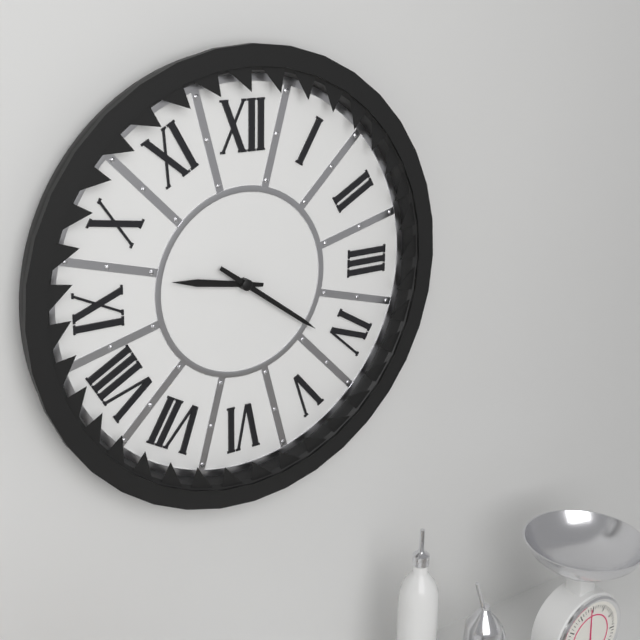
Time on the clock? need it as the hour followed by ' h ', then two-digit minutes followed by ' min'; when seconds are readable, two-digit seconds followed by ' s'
9 h 21 min
